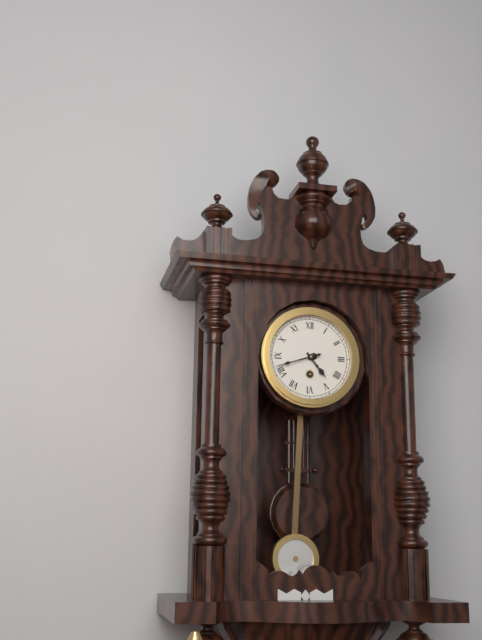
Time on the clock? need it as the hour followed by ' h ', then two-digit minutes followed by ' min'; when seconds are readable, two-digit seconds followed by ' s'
4 h 42 min
